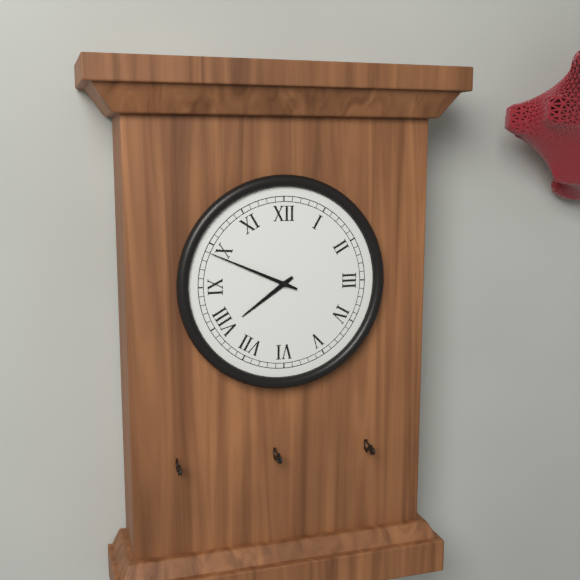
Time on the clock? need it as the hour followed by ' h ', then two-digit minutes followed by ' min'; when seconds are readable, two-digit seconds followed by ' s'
7 h 49 min
